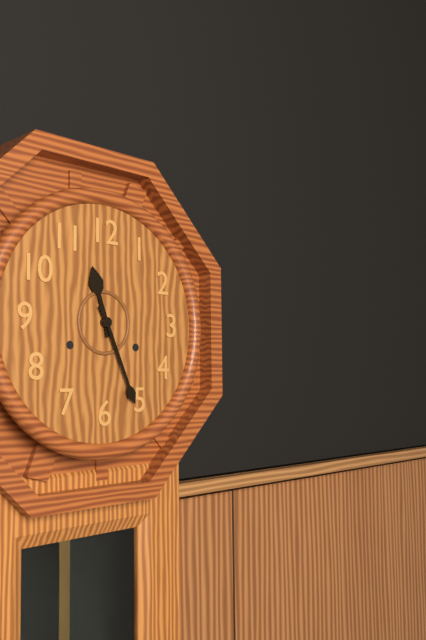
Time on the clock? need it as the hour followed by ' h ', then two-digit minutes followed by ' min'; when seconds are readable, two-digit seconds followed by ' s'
11 h 26 min
